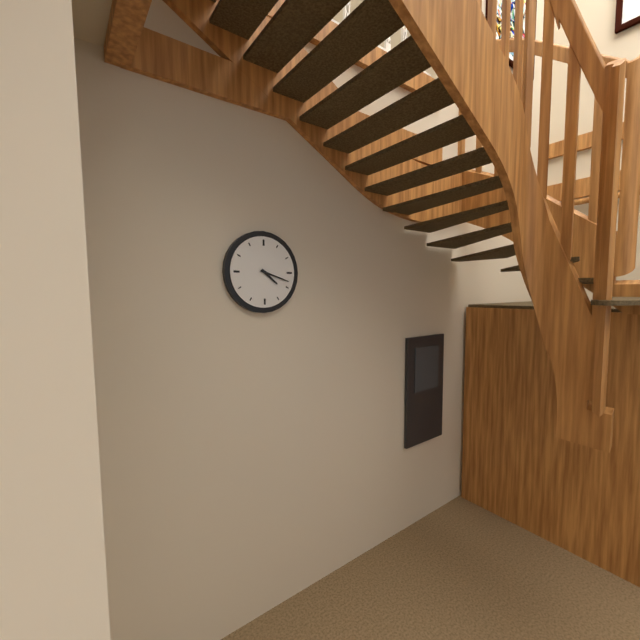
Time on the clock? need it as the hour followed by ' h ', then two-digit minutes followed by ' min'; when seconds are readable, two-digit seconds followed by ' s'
4 h 18 min
